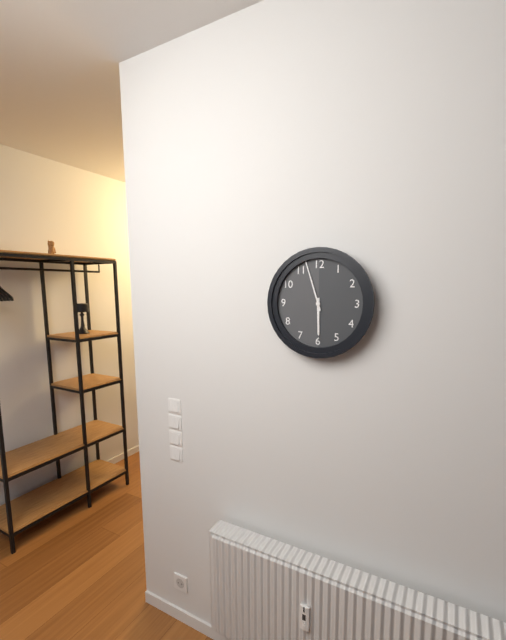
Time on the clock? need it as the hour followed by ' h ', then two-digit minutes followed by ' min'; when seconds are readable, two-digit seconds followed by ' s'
5 h 57 min
